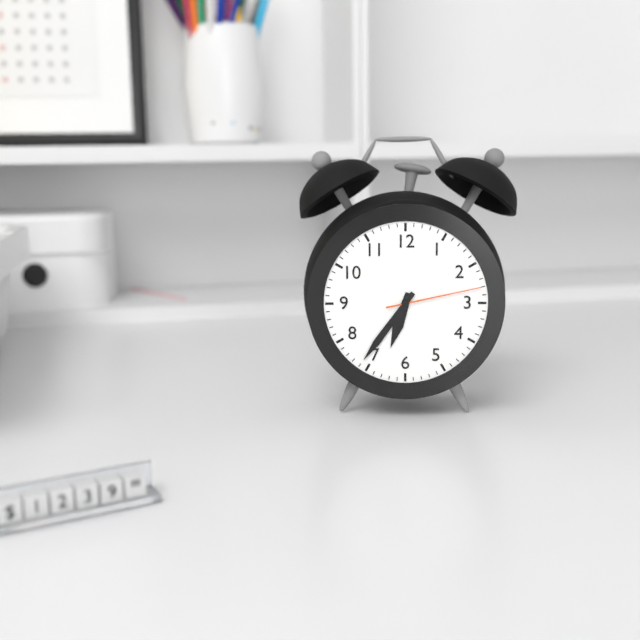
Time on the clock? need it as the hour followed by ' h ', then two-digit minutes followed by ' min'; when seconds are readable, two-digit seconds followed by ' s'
6 h 36 min 13 s
